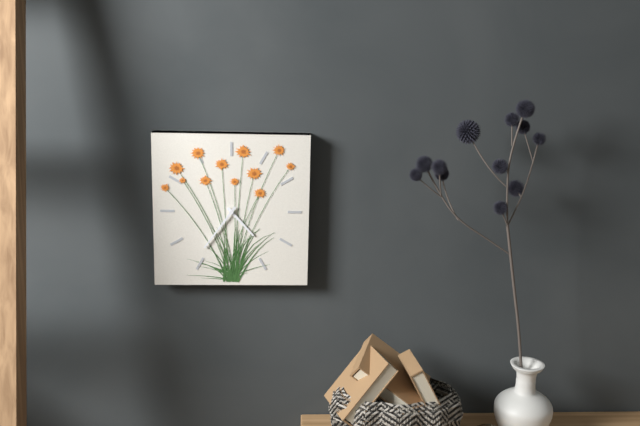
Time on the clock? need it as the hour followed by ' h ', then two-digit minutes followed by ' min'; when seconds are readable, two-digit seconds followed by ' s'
4 h 36 min
